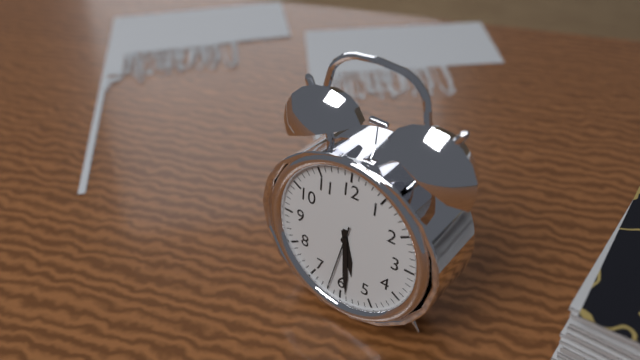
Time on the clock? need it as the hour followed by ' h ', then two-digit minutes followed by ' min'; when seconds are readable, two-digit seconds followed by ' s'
5 h 29 min 32 s
